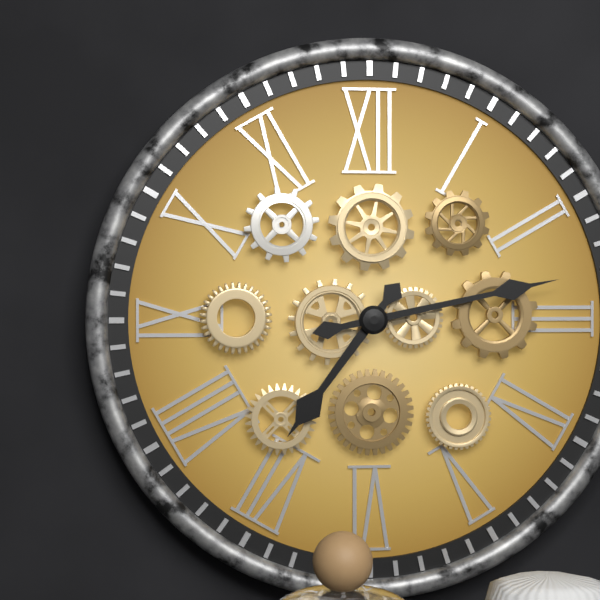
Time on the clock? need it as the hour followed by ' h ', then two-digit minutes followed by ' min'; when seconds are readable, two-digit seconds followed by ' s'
7 h 13 min
